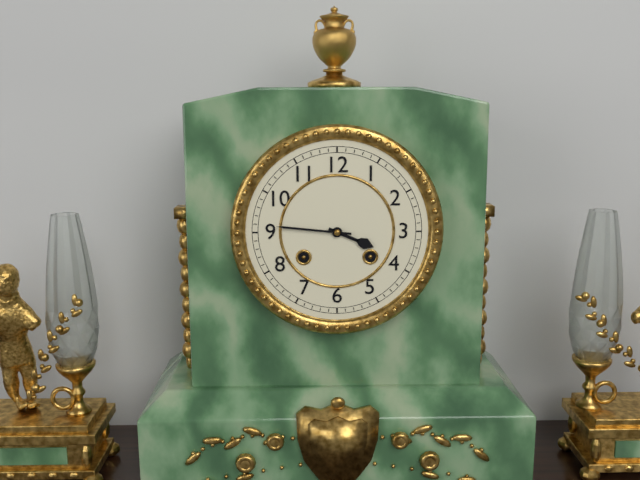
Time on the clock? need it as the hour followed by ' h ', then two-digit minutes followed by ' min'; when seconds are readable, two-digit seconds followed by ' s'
3 h 46 min
